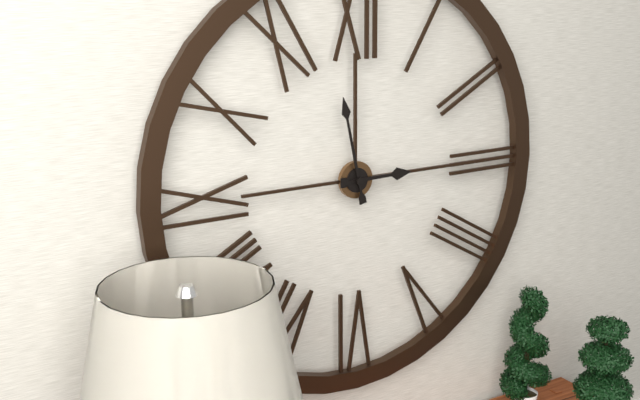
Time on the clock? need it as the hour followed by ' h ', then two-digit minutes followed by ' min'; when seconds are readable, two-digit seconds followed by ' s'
2 h 58 min
